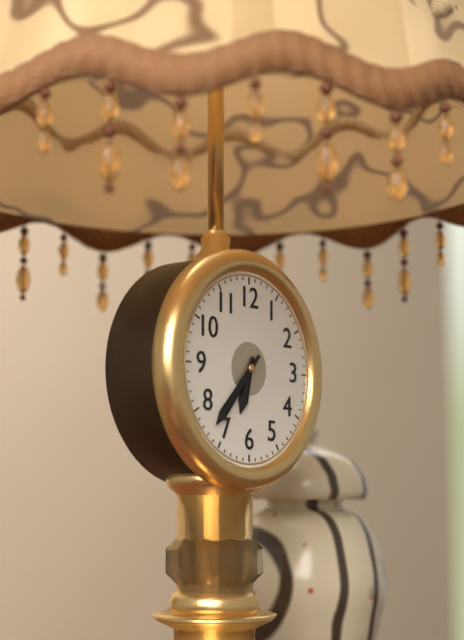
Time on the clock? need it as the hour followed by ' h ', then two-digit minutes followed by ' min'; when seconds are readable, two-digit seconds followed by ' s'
6 h 37 min
